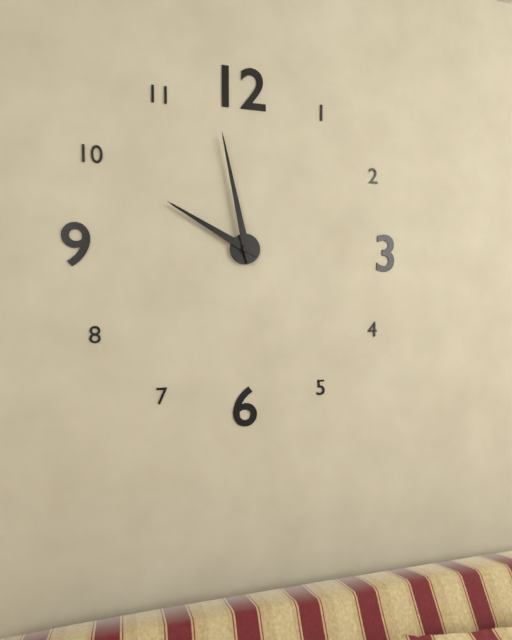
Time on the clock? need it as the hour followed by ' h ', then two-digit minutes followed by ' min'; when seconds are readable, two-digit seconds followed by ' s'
9 h 58 min
